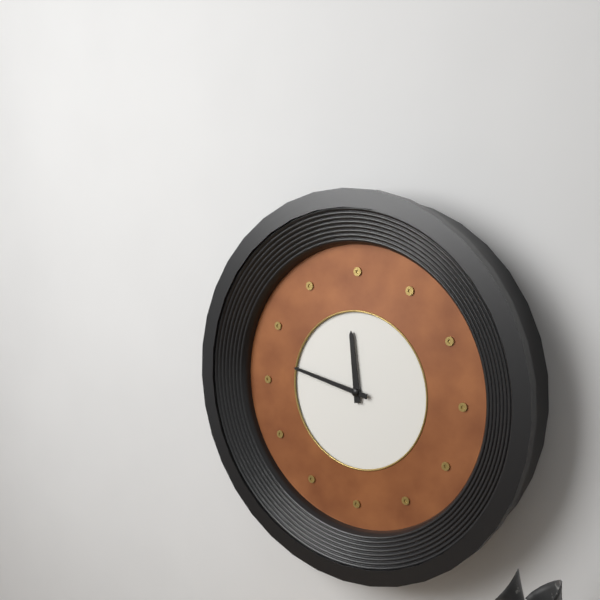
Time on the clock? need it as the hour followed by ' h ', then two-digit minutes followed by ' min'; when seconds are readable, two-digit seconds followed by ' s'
11 h 47 min
